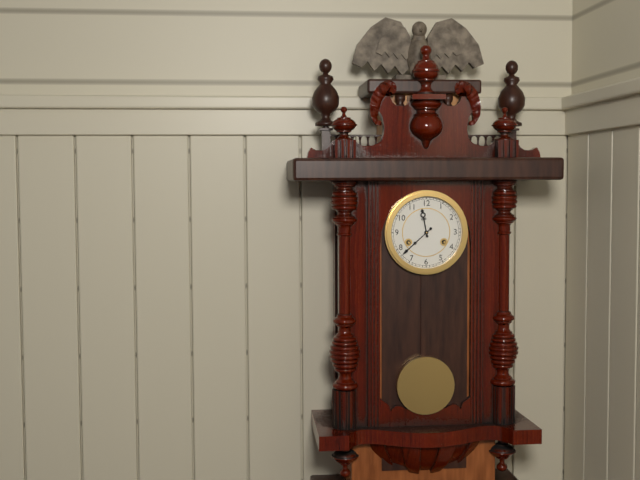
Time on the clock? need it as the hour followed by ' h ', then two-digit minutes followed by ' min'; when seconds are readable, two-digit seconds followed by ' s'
11 h 38 min
